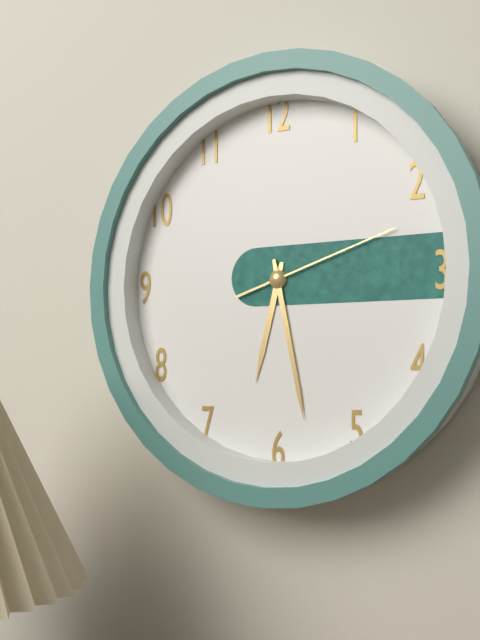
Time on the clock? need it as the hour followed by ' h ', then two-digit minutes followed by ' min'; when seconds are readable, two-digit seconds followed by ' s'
6 h 28 min 12 s
